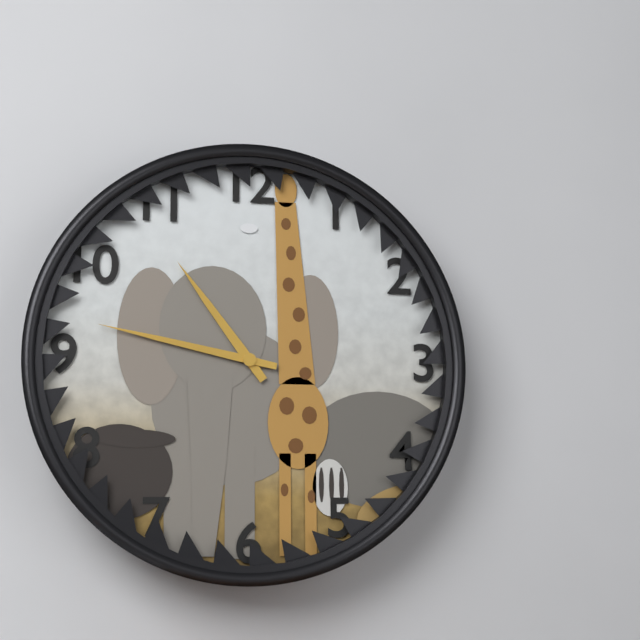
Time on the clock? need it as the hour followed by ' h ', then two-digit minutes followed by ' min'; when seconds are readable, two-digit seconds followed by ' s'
10 h 47 min
